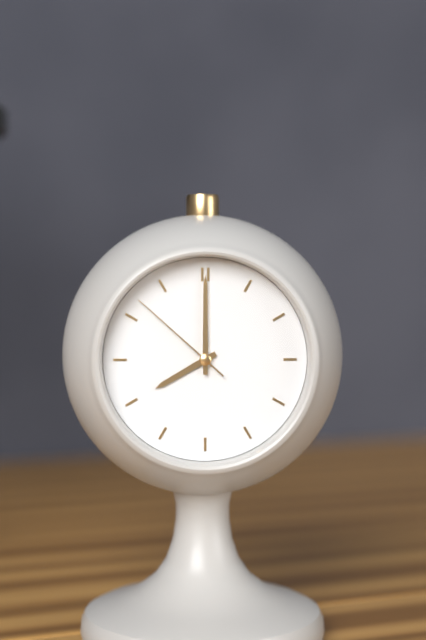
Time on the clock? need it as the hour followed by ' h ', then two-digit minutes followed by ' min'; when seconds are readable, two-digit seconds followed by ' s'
8 h 00 min 52 s
